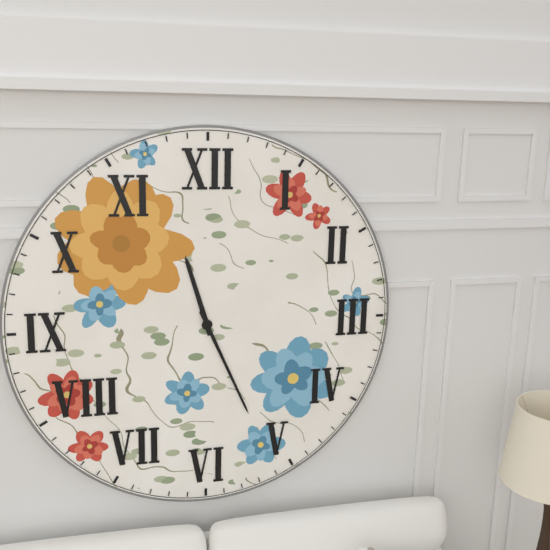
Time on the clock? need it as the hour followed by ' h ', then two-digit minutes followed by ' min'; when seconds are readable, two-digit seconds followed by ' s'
11 h 26 min
